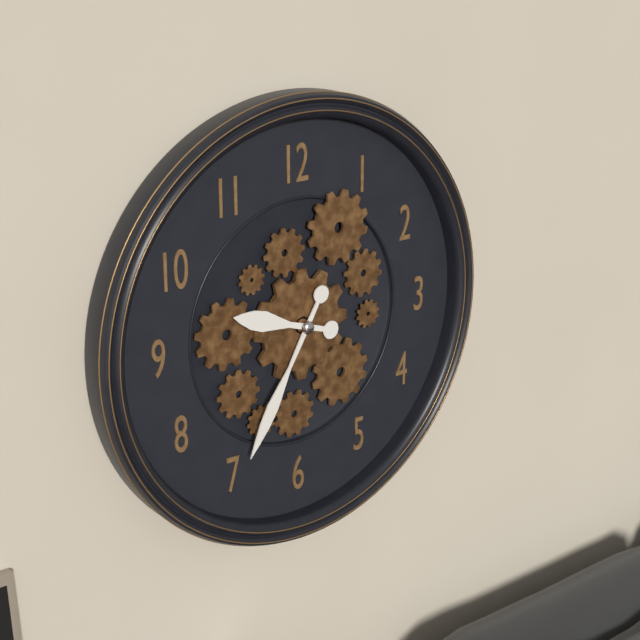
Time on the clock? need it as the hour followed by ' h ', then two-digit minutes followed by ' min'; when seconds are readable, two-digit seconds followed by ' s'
9 h 35 min
